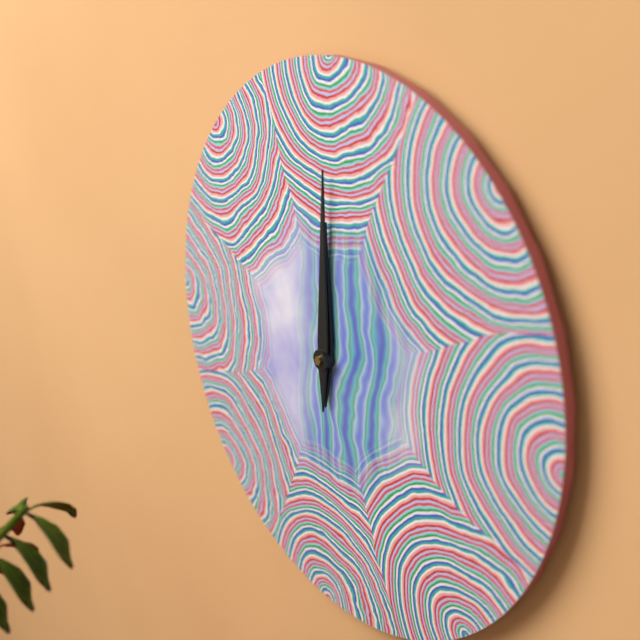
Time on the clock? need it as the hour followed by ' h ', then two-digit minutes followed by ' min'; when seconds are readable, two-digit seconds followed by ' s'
12 h 00 min
